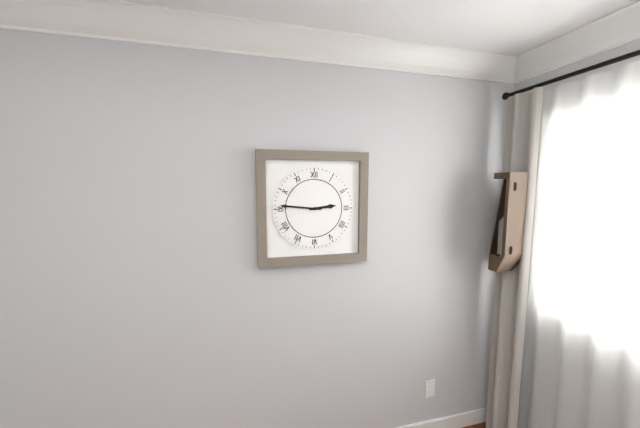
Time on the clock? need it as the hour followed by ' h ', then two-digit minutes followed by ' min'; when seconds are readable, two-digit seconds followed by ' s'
2 h 46 min
